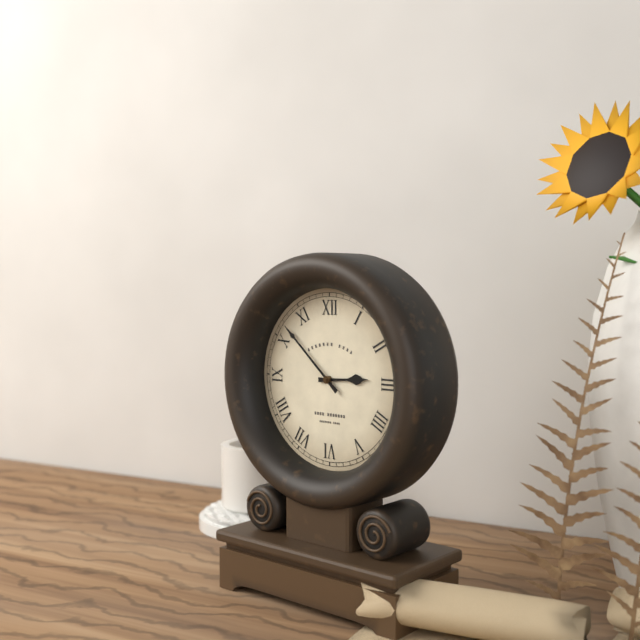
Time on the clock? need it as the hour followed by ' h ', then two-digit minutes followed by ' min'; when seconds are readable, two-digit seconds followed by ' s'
2 h 52 min
